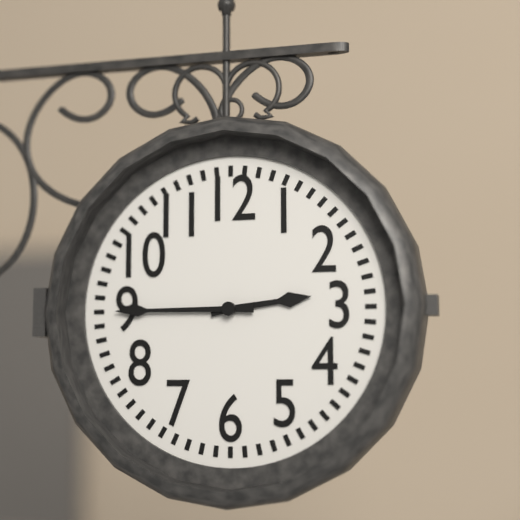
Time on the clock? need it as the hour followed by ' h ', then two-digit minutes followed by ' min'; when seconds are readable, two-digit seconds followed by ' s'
2 h 45 min
